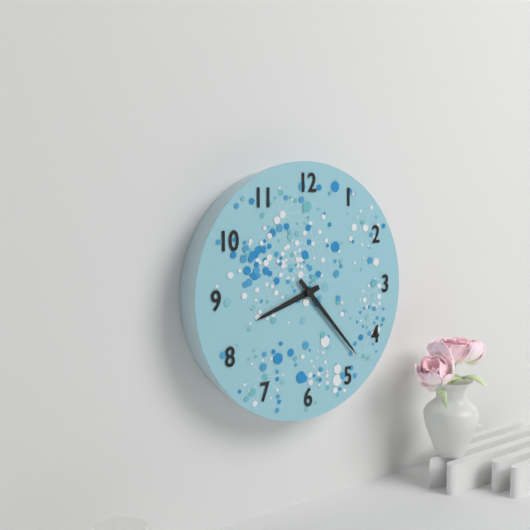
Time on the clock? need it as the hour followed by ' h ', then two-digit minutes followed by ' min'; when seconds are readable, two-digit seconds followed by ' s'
8 h 23 min
